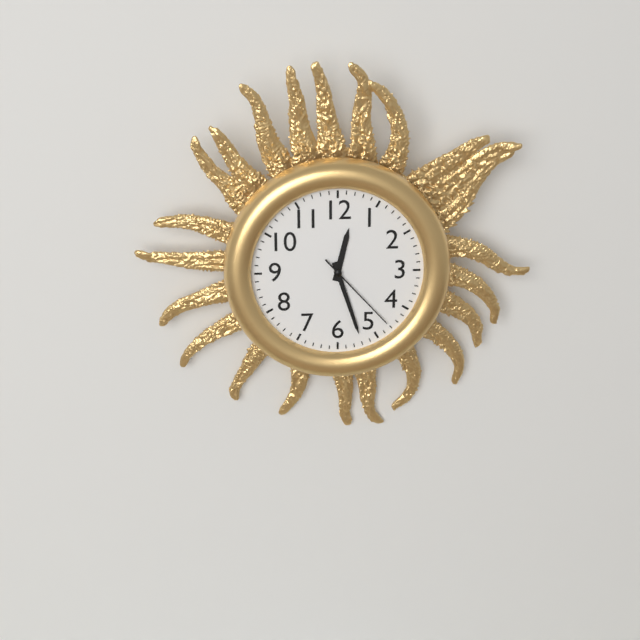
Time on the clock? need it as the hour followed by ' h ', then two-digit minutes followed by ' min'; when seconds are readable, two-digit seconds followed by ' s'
12 h 27 min 23 s
